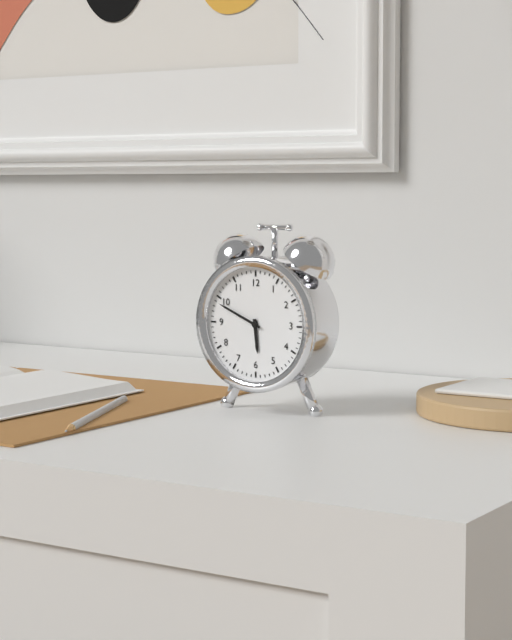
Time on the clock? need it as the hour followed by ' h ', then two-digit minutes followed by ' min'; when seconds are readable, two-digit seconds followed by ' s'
5 h 49 min
